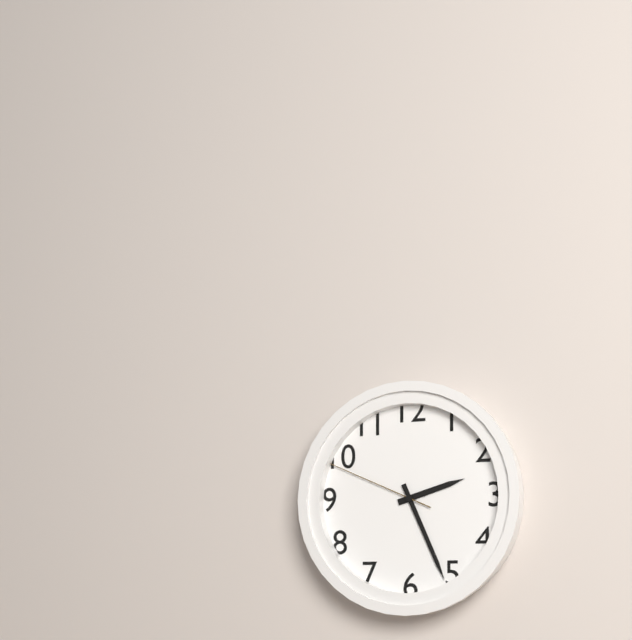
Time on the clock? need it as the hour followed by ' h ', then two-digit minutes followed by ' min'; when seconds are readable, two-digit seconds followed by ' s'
2 h 26 min 49 s
